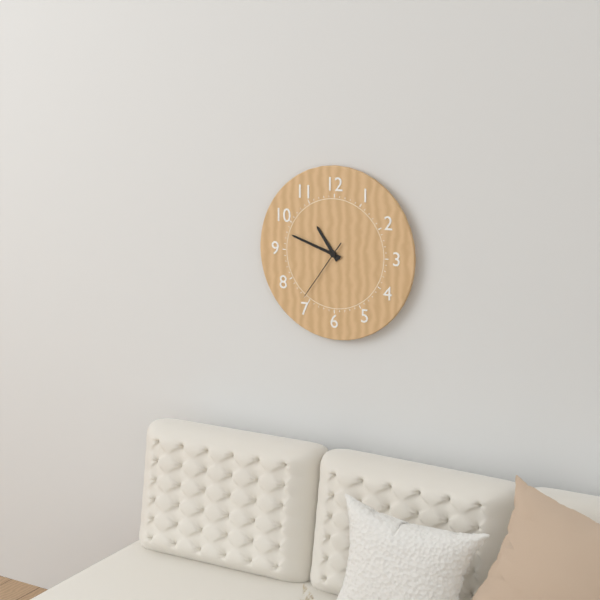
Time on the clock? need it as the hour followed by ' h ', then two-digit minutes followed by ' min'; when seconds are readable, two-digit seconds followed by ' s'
10 h 48 min 36 s
